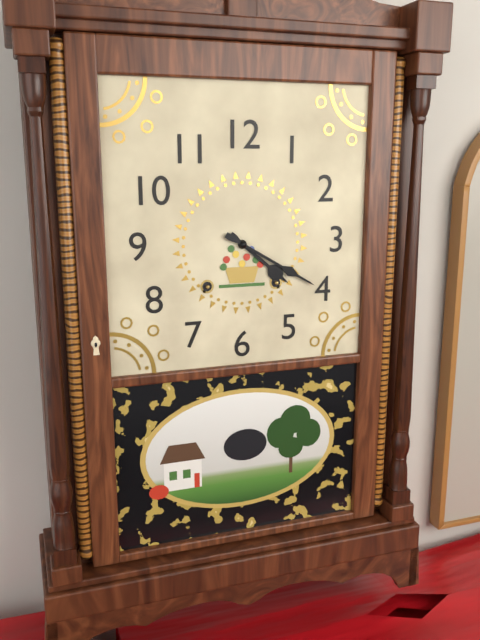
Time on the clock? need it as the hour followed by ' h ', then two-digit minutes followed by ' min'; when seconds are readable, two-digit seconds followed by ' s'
4 h 20 min
